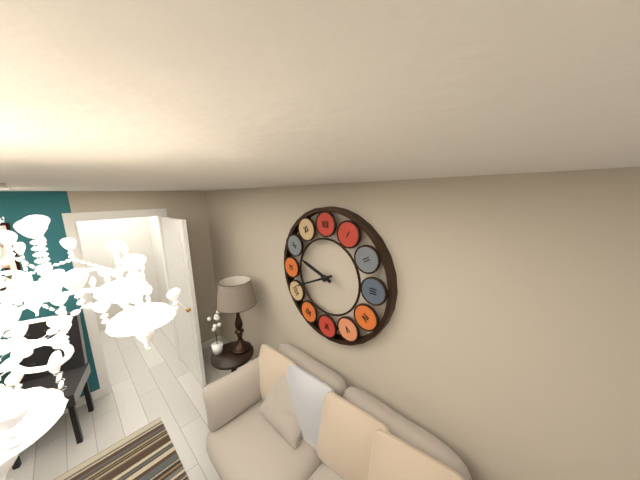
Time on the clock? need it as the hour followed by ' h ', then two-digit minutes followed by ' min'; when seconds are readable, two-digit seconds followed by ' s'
9 h 41 min
